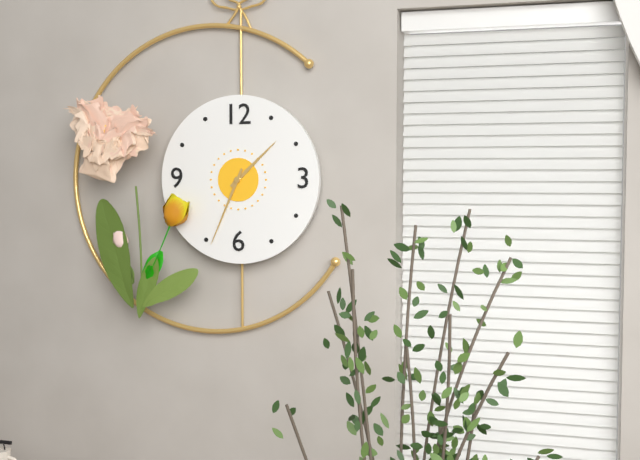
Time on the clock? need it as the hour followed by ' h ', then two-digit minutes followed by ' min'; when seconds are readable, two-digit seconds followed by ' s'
1 h 34 min
